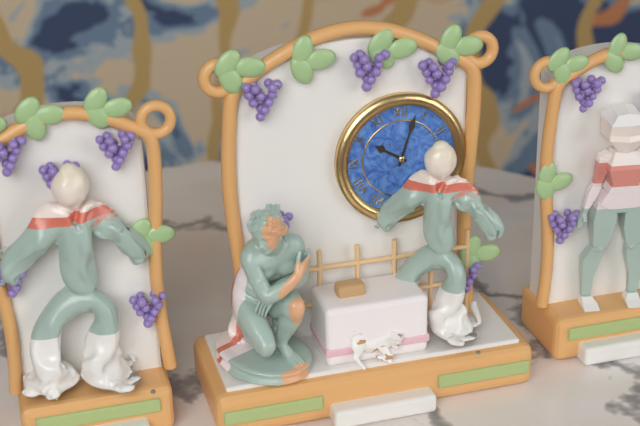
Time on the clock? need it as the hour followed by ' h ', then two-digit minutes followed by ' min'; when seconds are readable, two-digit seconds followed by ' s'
10 h 03 min
